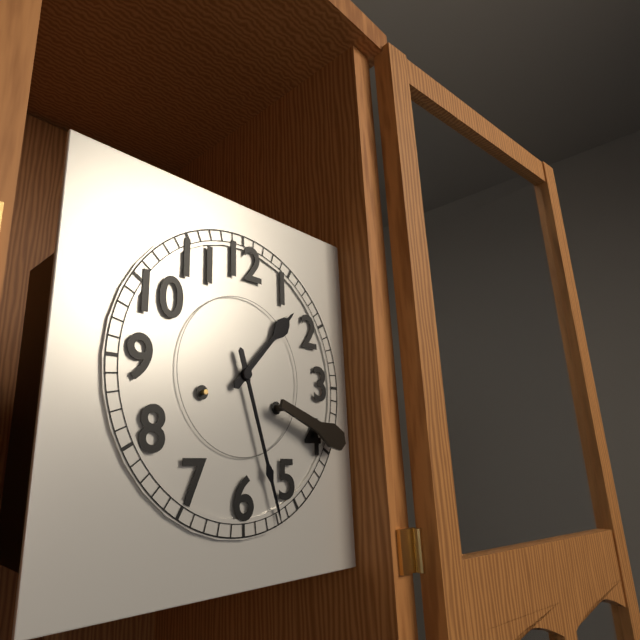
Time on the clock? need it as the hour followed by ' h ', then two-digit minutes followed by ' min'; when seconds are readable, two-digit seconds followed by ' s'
1 h 27 min
